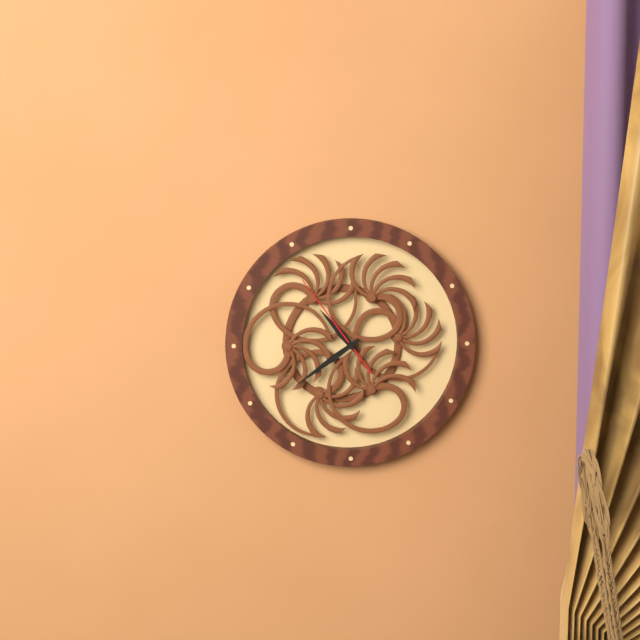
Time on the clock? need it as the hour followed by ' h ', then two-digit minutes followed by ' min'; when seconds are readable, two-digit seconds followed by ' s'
10 h 39 min 54 s
